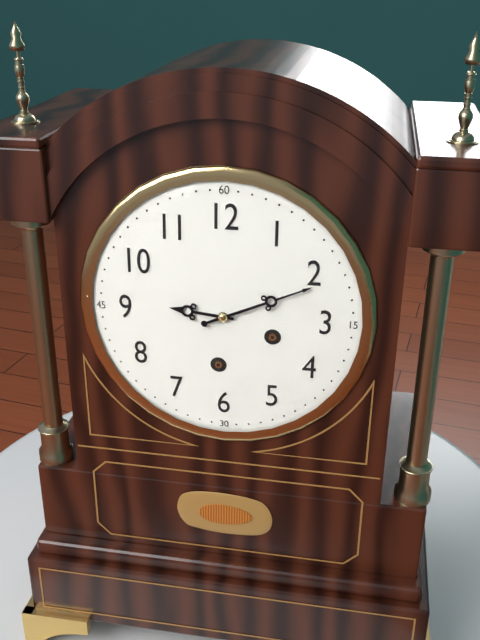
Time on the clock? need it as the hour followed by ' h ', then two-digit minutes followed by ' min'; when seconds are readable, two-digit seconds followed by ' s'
9 h 11 min
